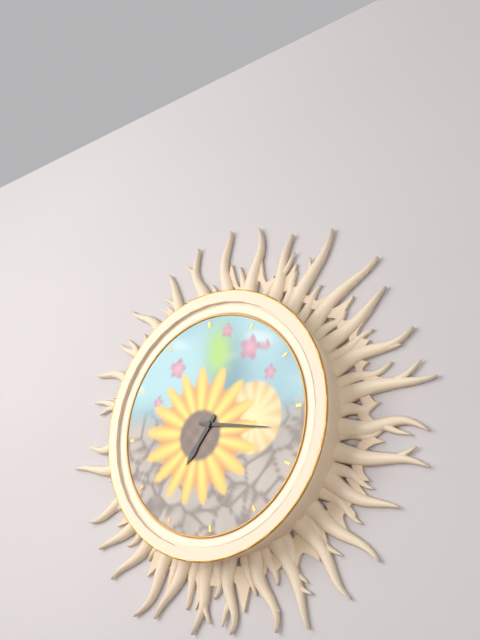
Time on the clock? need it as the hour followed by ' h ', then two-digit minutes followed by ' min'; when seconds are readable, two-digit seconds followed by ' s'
7 h 17 min
